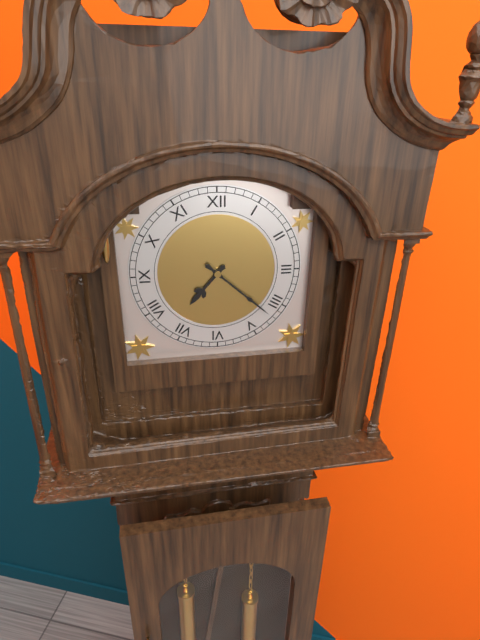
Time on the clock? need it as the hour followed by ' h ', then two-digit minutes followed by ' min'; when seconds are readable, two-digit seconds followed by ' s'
7 h 22 min
